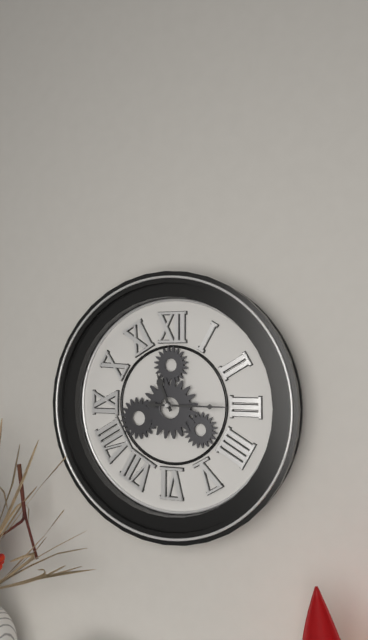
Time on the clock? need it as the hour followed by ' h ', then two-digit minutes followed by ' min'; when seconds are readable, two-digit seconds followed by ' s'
11 h 15 min
